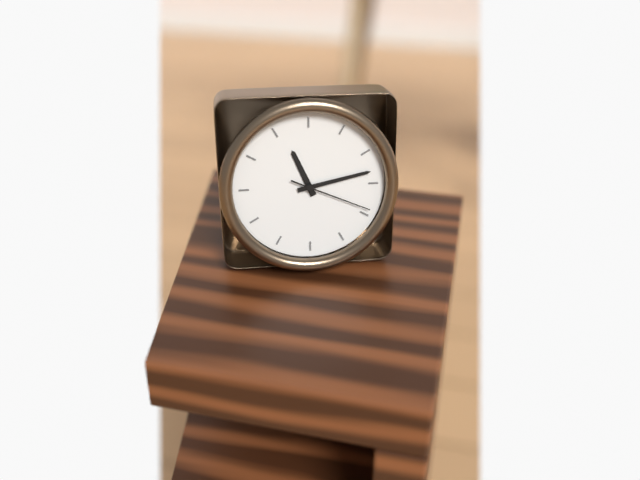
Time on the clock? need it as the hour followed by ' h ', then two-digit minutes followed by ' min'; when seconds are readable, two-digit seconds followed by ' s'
11 h 13 min 19 s
